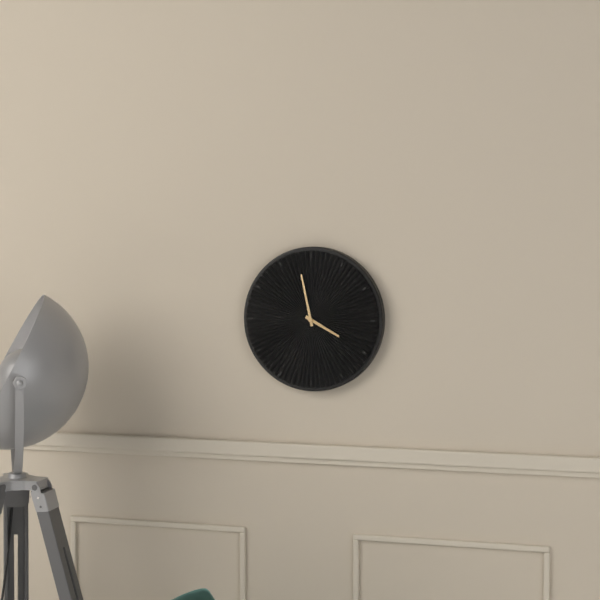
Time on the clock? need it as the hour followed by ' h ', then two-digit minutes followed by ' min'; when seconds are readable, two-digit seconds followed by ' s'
3 h 58 min
